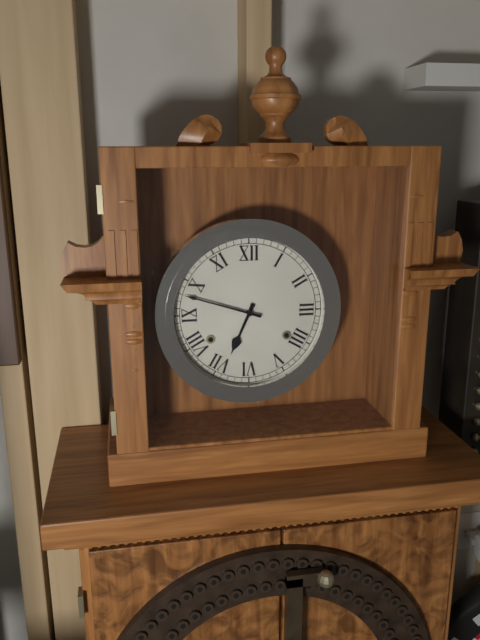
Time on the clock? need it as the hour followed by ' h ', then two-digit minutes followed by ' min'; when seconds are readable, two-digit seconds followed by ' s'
6 h 48 min
